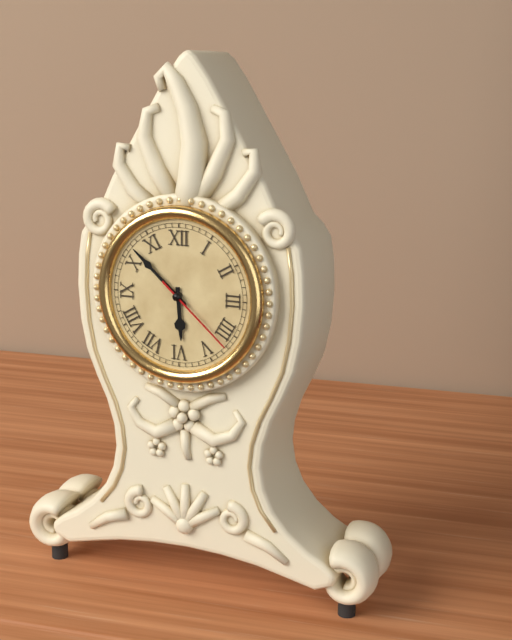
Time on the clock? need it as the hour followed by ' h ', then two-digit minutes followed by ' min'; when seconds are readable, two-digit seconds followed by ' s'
5 h 52 min 22 s
